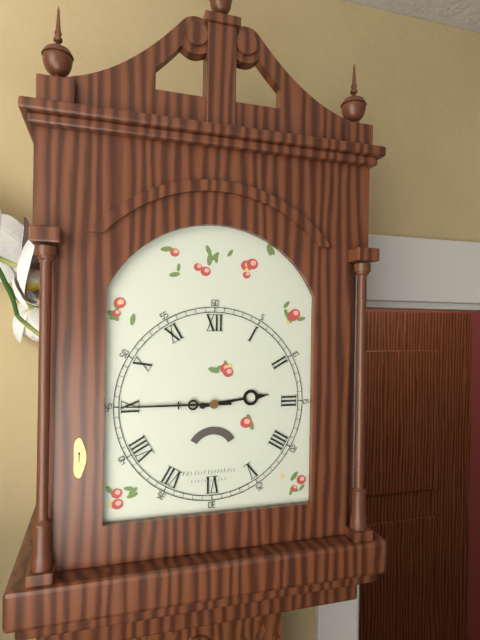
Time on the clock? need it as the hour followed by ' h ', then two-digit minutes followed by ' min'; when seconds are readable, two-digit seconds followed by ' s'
2 h 45 min
